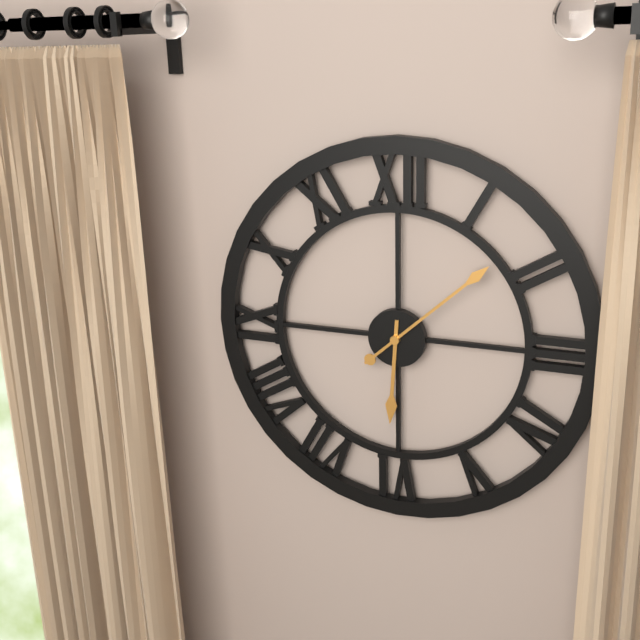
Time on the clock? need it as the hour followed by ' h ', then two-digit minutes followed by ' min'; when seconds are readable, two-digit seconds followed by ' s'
6 h 08 min
